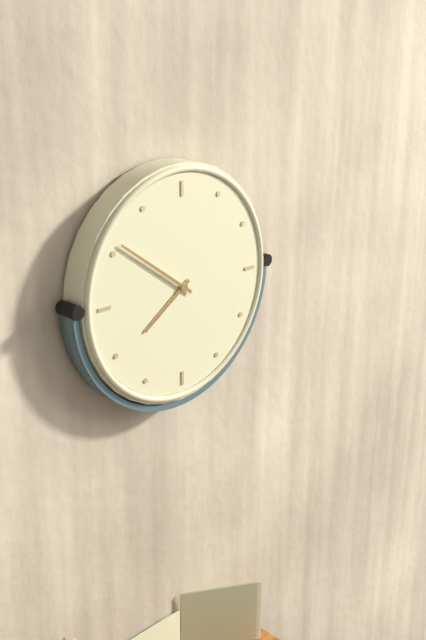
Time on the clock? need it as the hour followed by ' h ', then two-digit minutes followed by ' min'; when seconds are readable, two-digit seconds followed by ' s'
7 h 51 min
